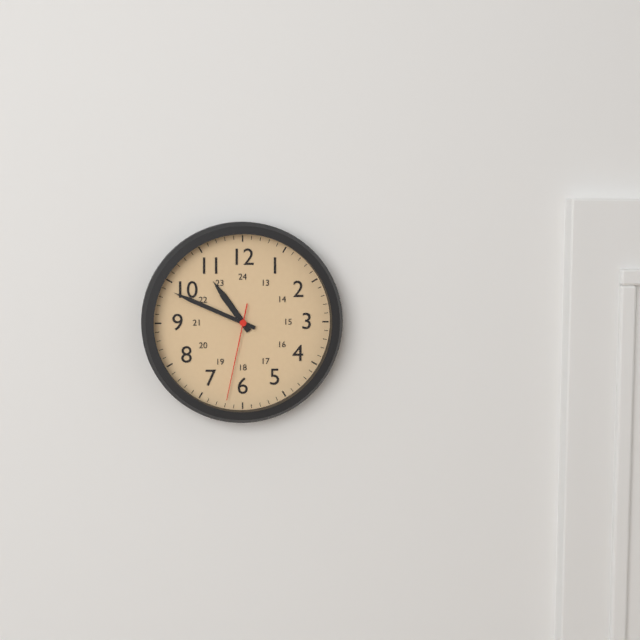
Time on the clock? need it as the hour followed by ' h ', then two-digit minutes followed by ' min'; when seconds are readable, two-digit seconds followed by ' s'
10 h 49 min 32 s
